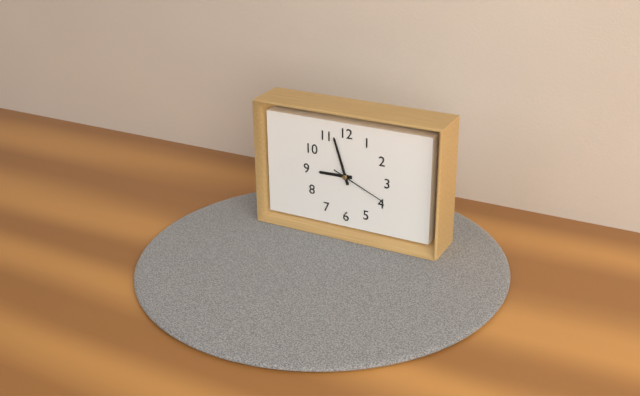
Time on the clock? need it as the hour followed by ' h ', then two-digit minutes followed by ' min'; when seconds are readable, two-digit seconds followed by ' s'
8 h 57 min 19 s
